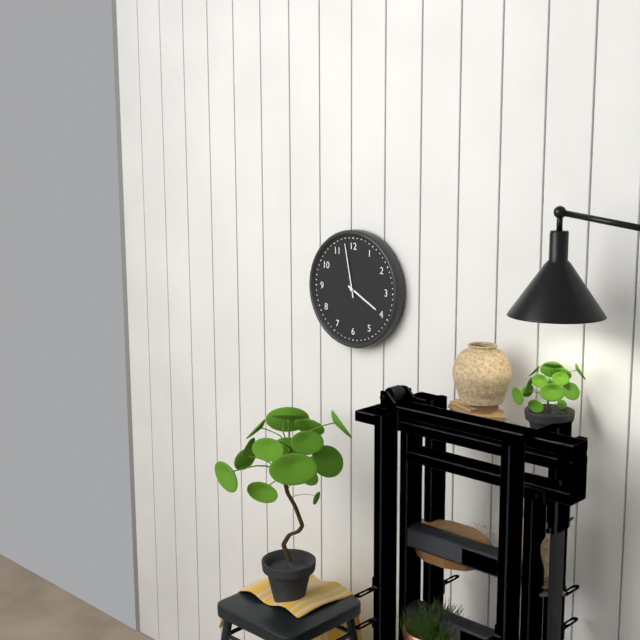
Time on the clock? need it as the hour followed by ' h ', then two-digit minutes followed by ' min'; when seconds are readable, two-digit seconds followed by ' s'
3 h 58 min
